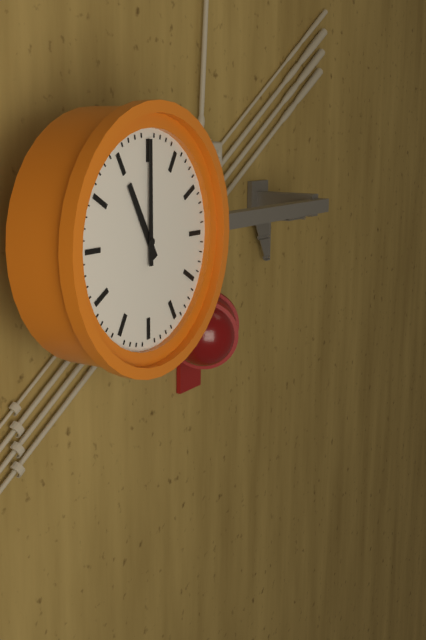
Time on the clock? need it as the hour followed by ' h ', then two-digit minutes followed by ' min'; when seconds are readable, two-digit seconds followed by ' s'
11 h 00 min
